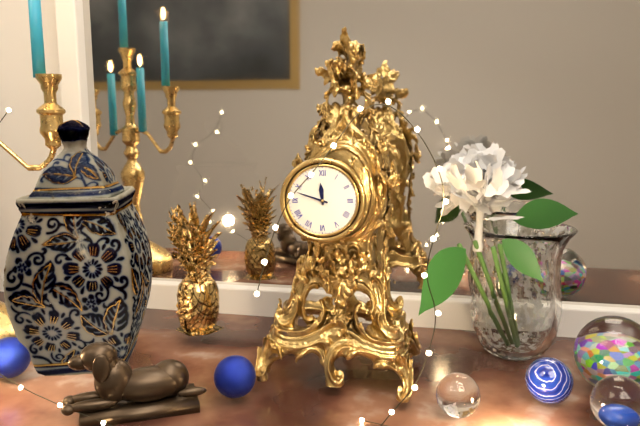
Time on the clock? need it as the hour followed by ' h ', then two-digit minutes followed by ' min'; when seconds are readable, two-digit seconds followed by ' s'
11 h 48 min
